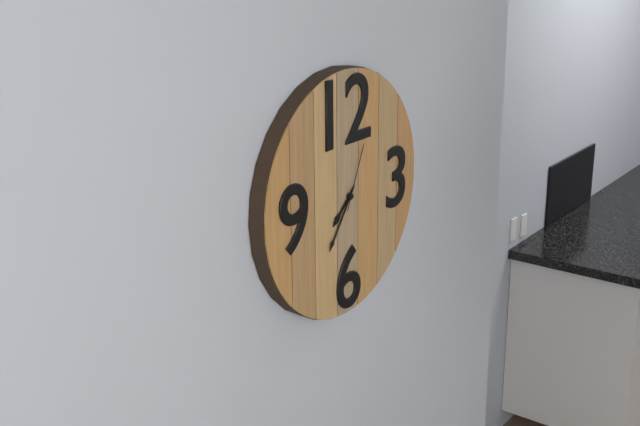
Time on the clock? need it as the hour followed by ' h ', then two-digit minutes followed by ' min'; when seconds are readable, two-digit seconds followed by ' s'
7 h 36 min 04 s
